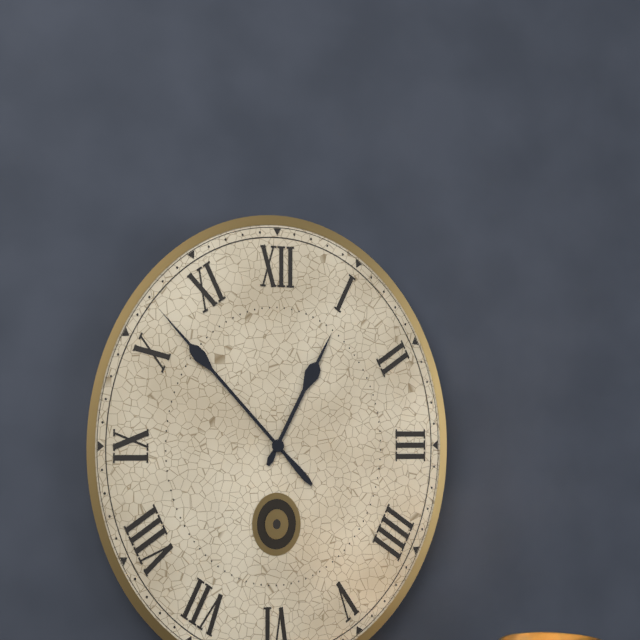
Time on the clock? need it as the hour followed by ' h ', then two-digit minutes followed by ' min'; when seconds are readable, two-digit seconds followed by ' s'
12 h 53 min
